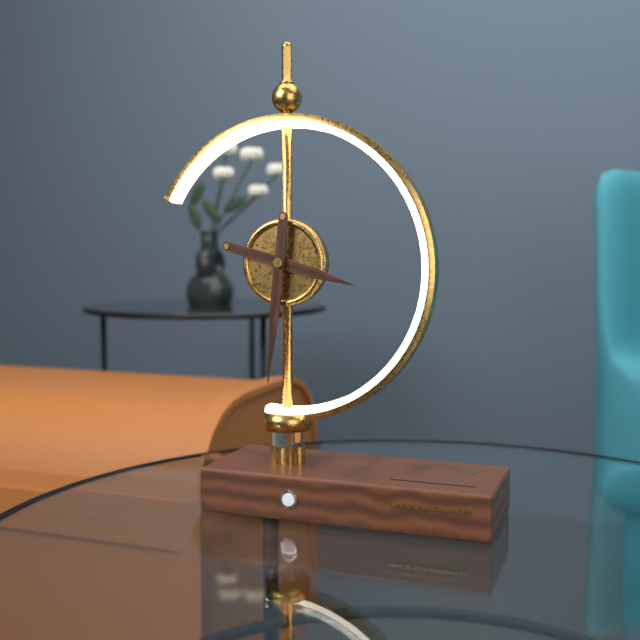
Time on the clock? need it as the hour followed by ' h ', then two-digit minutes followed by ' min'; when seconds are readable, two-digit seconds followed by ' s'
3 h 31 min
